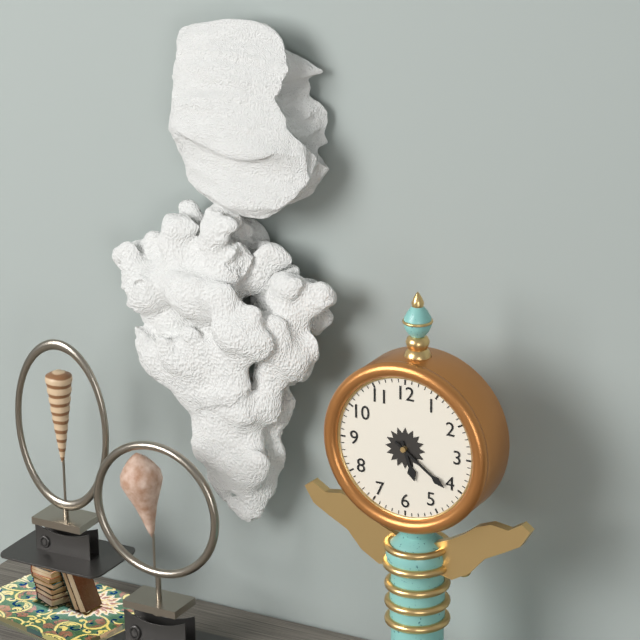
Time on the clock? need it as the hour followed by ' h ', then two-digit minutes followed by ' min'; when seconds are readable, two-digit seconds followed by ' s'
5 h 21 min
